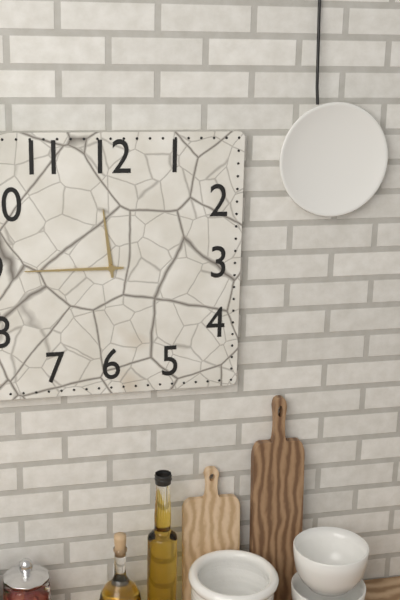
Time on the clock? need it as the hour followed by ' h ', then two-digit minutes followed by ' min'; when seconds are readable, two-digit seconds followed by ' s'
11 h 45 min
